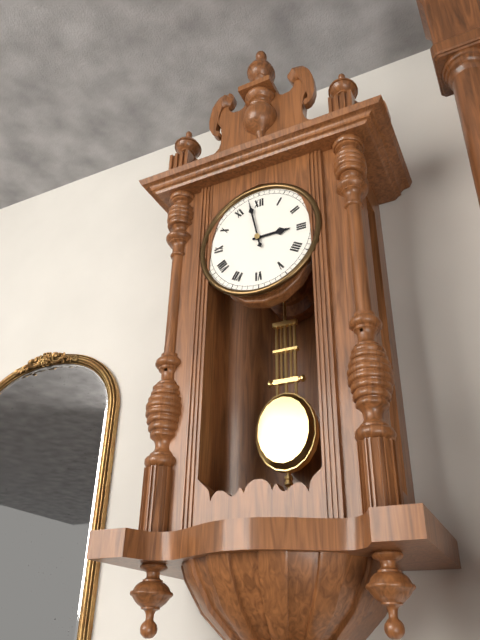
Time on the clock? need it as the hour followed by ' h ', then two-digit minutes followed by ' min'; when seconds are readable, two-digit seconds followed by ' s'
2 h 58 min
